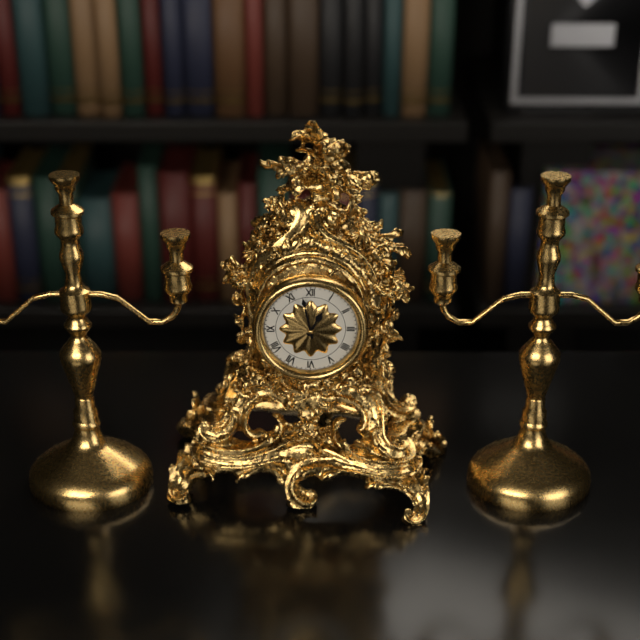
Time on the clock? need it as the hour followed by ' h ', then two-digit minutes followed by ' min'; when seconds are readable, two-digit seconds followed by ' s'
12 h 58 min
